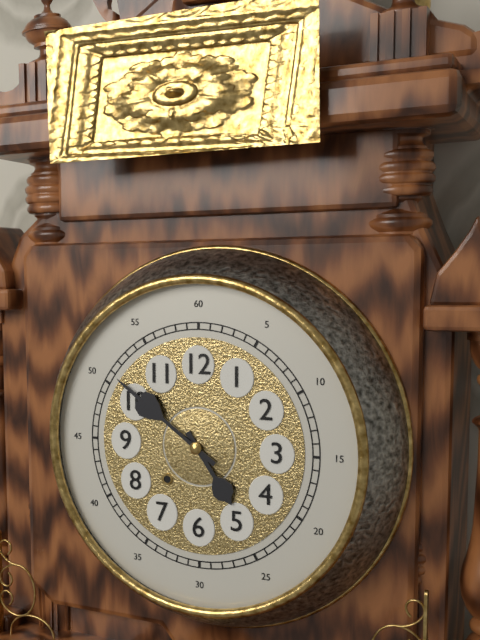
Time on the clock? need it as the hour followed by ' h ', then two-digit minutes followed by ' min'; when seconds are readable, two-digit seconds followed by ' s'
4 h 51 min
